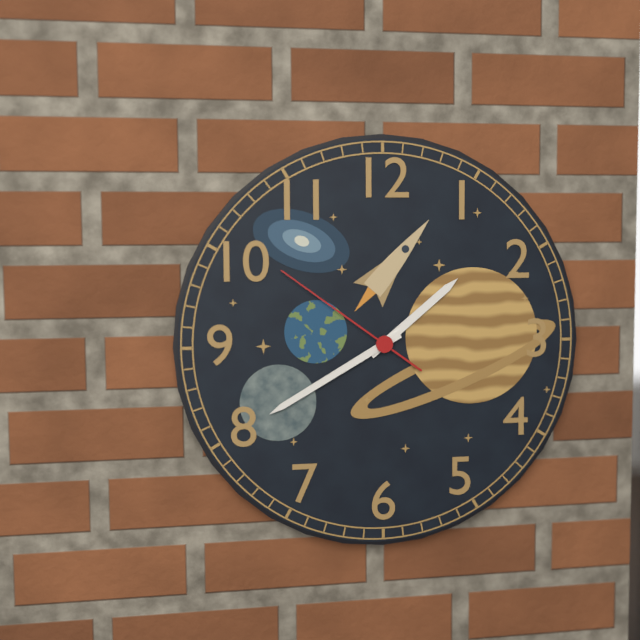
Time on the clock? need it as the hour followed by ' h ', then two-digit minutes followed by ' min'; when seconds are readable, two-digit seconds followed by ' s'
1 h 40 min 51 s
